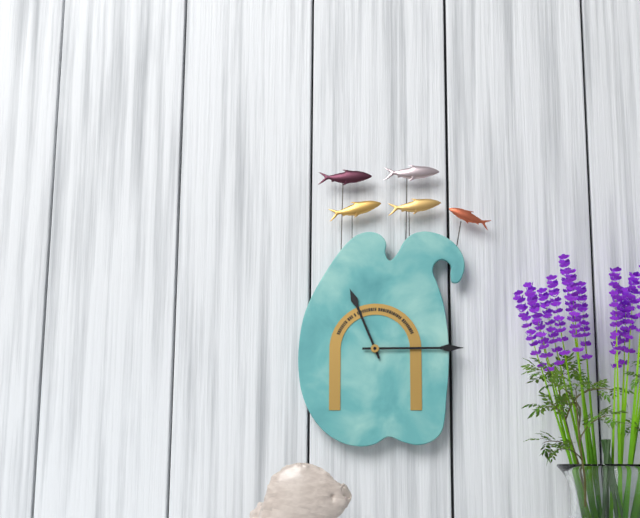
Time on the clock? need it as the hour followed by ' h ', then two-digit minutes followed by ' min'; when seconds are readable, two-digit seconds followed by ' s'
11 h 15 min
